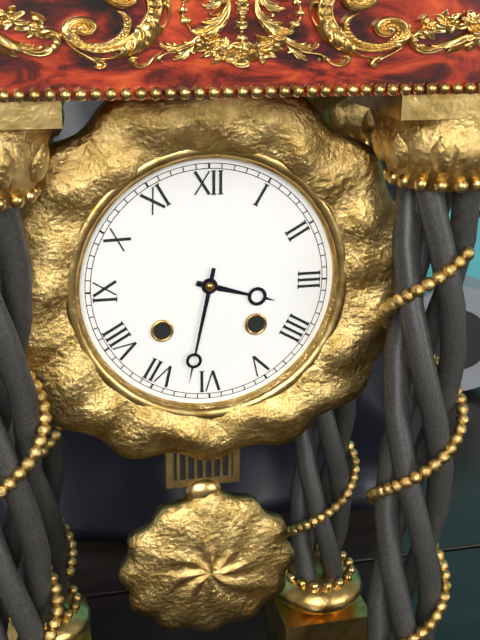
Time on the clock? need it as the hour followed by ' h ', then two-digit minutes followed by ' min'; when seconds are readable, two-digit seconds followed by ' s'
3 h 32 min
